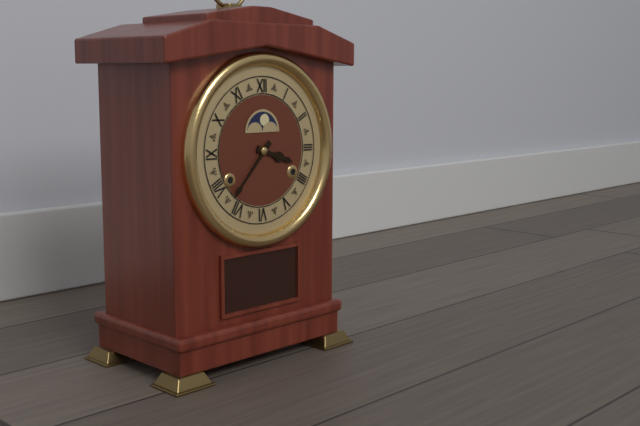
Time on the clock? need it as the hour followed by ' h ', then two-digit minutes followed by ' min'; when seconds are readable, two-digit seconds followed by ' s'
3 h 37 min
